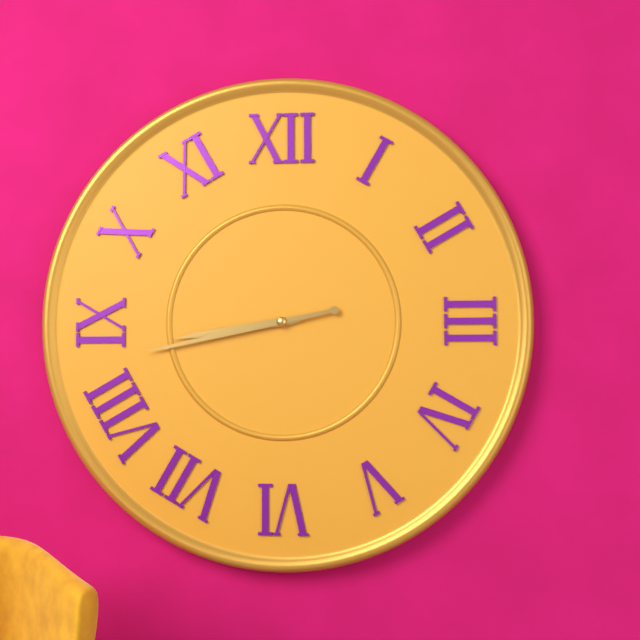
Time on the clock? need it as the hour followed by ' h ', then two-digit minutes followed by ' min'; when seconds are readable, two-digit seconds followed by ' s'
8 h 43 min
